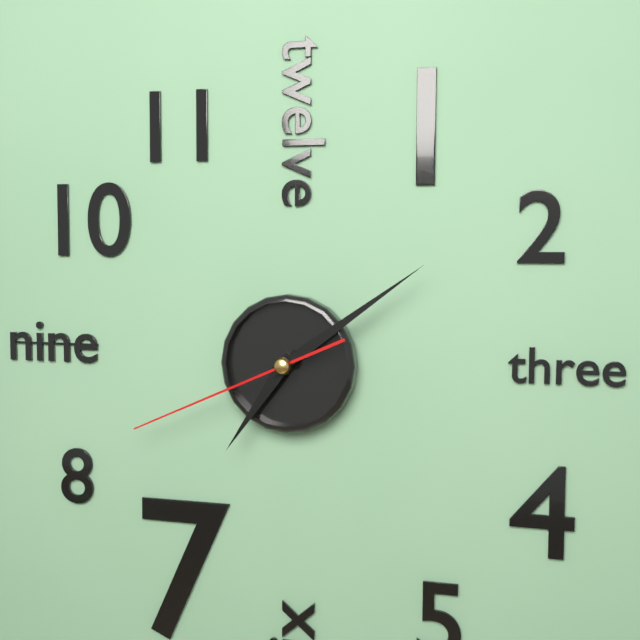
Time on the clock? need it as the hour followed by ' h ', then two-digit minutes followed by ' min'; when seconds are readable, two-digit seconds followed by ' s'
7 h 09 min 41 s
